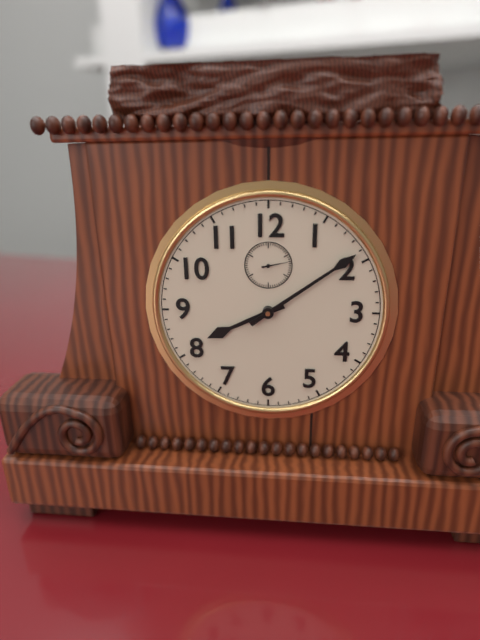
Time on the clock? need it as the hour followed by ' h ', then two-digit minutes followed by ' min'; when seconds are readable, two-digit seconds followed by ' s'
8 h 09 min
